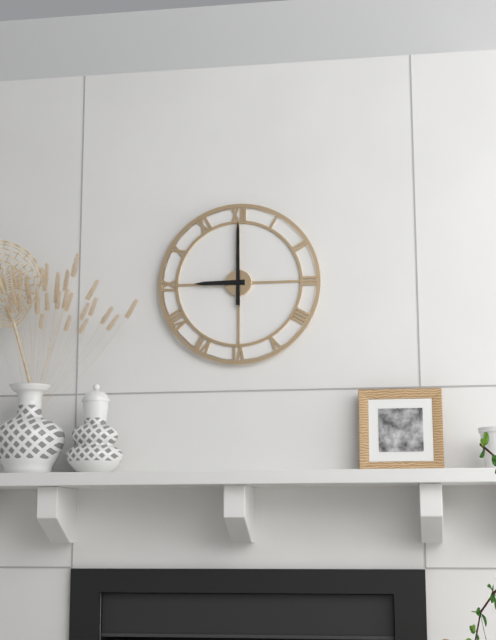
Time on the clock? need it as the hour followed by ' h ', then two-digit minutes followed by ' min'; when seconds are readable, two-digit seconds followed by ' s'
9 h 00 min
